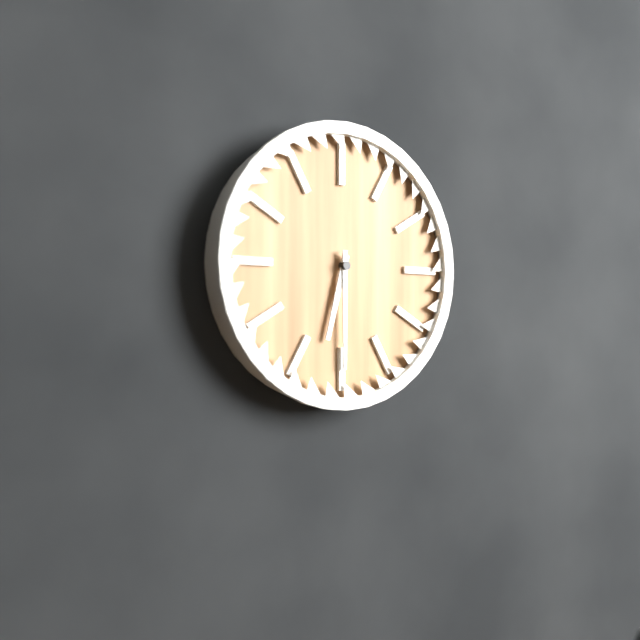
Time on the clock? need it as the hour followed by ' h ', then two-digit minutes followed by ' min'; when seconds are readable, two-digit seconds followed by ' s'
6 h 30 min
